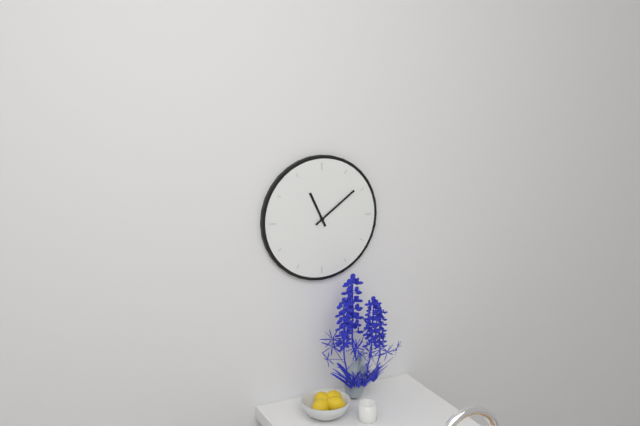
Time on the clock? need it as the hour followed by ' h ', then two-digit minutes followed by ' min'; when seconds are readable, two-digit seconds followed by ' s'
11 h 09 min
